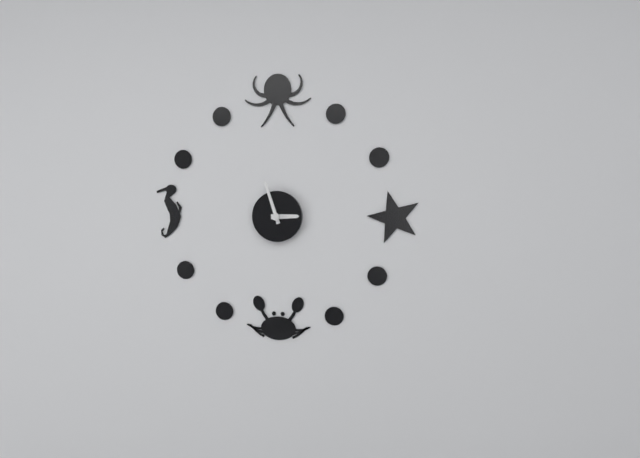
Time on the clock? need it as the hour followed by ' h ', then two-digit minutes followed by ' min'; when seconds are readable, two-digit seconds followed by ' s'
2 h 57 min
